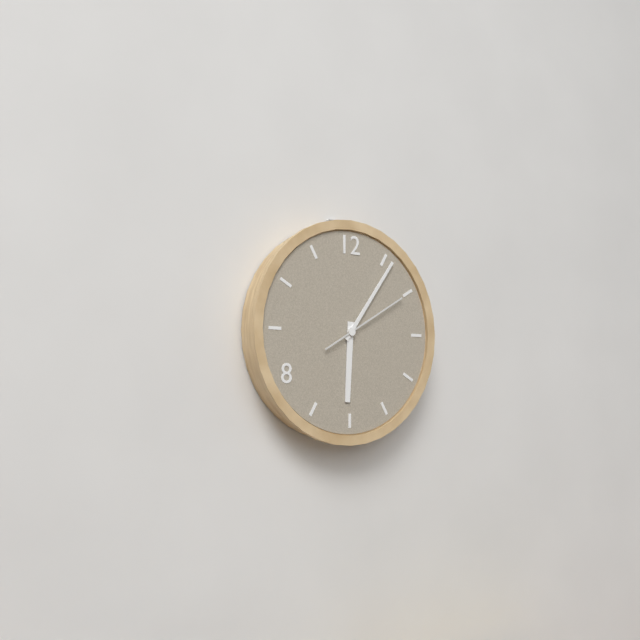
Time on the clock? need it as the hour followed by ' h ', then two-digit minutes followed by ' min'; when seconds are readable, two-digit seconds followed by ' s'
6 h 06 min 10 s
